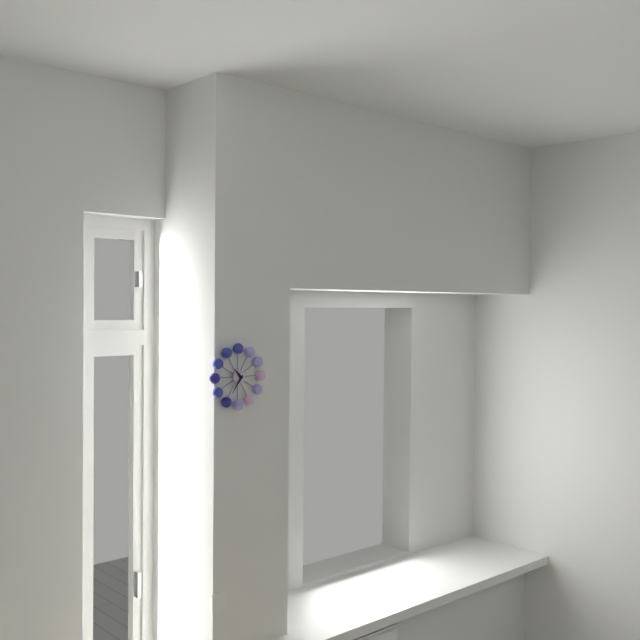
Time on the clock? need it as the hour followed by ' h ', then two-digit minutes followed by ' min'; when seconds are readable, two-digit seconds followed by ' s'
10 h 36 min
